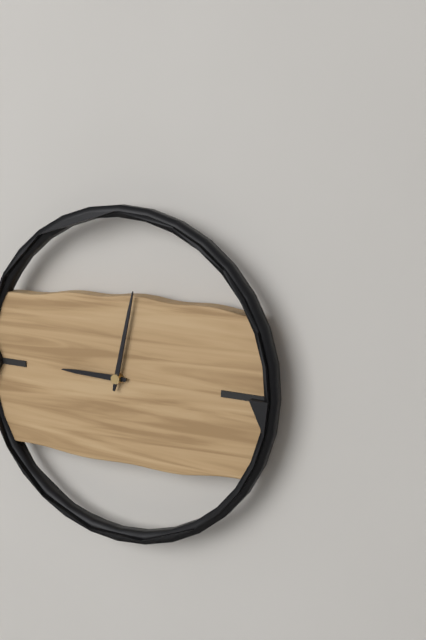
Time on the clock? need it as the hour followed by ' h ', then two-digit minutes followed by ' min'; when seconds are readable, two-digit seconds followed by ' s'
9 h 02 min
